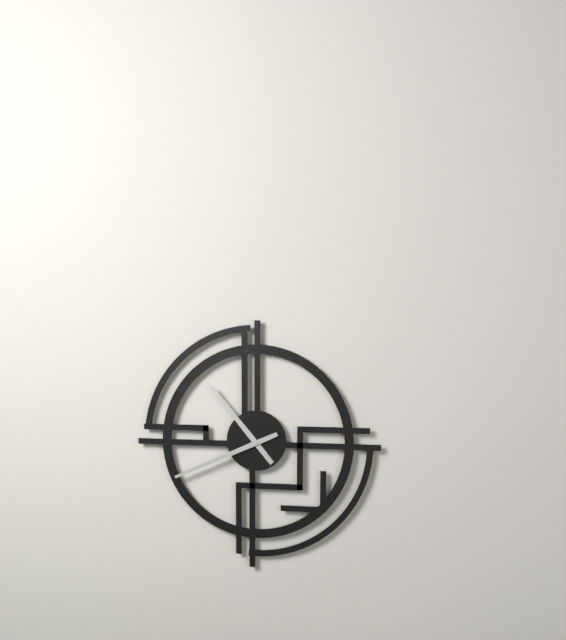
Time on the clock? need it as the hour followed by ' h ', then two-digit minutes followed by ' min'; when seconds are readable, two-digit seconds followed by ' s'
10 h 41 min
